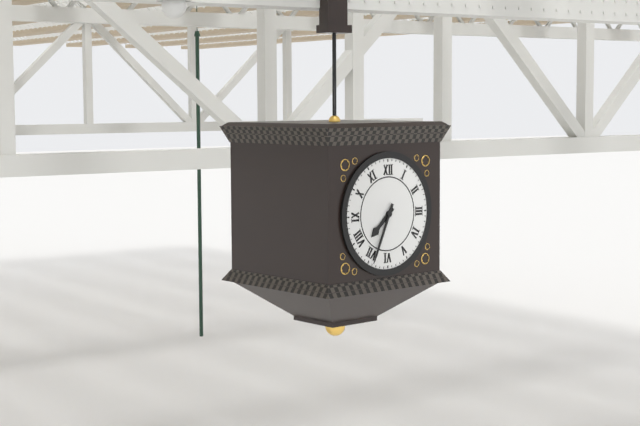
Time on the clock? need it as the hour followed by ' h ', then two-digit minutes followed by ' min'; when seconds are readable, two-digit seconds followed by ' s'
7 h 34 min
